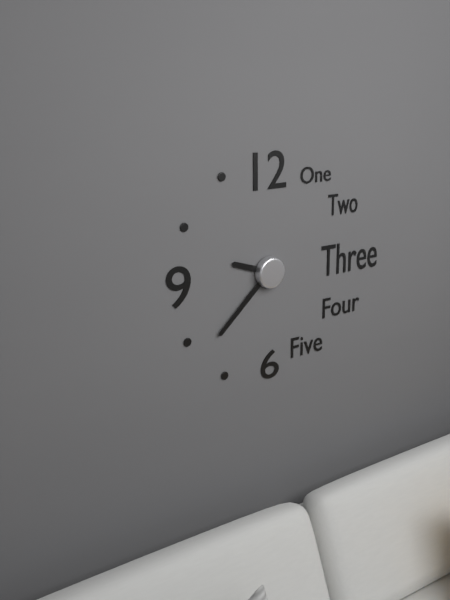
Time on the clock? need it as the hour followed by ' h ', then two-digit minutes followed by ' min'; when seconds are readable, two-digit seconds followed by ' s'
9 h 38 min
